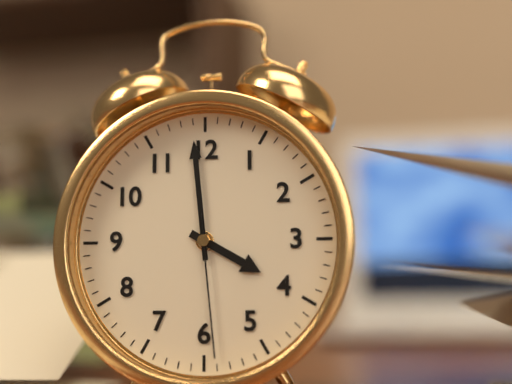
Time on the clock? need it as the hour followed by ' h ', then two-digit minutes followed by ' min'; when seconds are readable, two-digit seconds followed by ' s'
3 h 59 min 29 s
